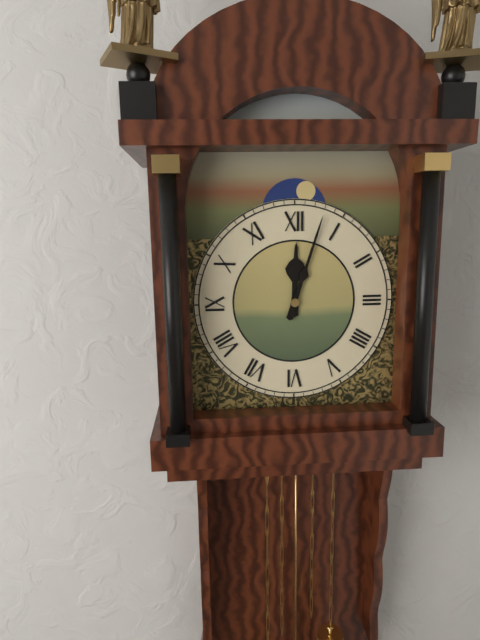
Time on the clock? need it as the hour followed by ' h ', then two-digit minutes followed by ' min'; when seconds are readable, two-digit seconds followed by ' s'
12 h 03 min
